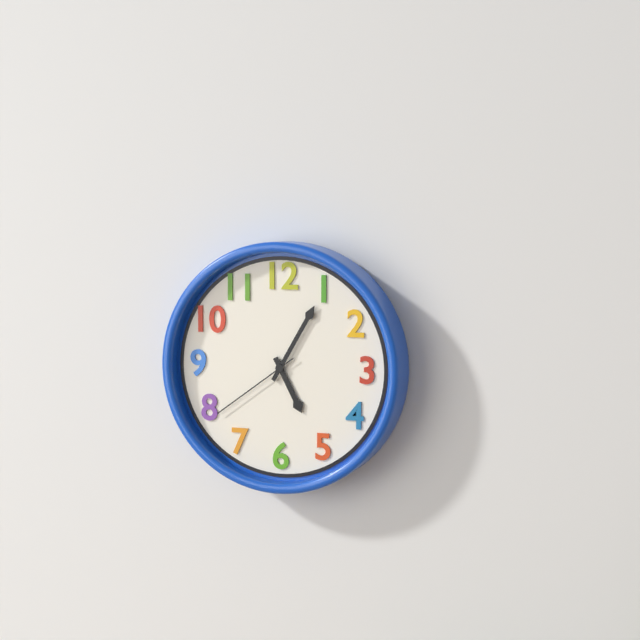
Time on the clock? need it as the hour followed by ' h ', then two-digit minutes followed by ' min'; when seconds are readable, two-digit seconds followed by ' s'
5 h 05 min 39 s
